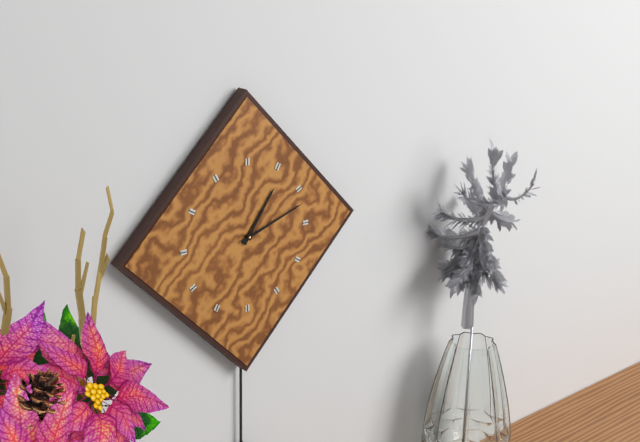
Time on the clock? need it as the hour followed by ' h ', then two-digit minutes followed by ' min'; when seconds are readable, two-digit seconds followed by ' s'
1 h 12 min
